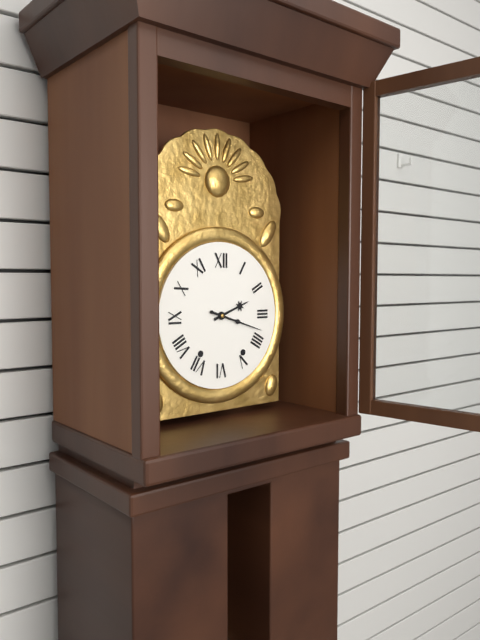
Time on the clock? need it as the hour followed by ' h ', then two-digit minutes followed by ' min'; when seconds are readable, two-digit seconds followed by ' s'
2 h 18 min
